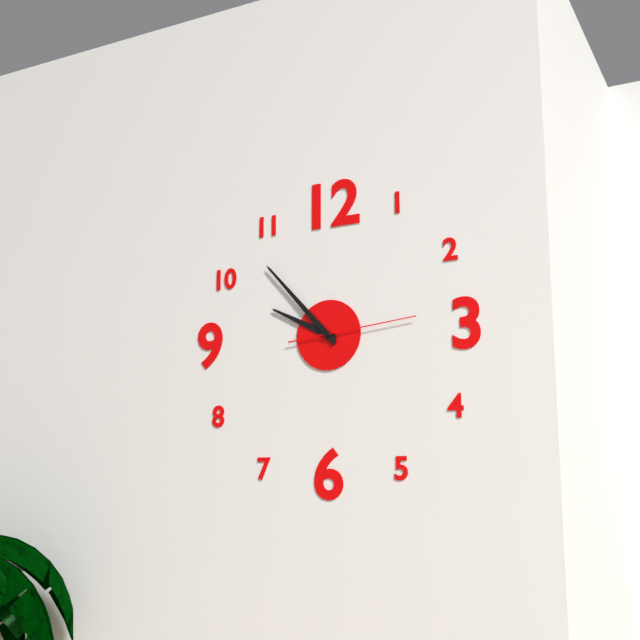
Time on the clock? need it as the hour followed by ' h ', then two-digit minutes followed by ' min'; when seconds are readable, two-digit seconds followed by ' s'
9 h 53 min 14 s
